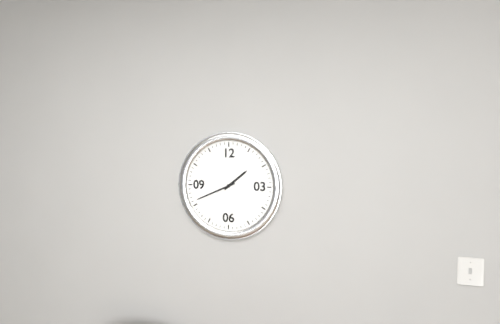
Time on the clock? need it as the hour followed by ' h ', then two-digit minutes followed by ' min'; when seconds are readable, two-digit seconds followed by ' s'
1 h 41 min
